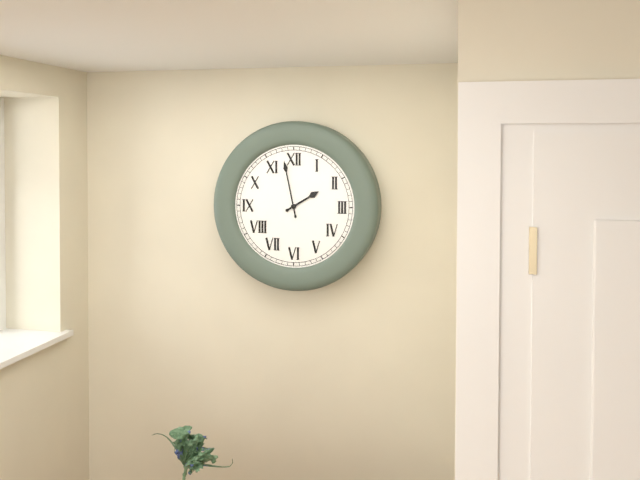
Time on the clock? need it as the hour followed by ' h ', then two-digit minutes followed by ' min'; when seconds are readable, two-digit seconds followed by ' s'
1 h 58 min
